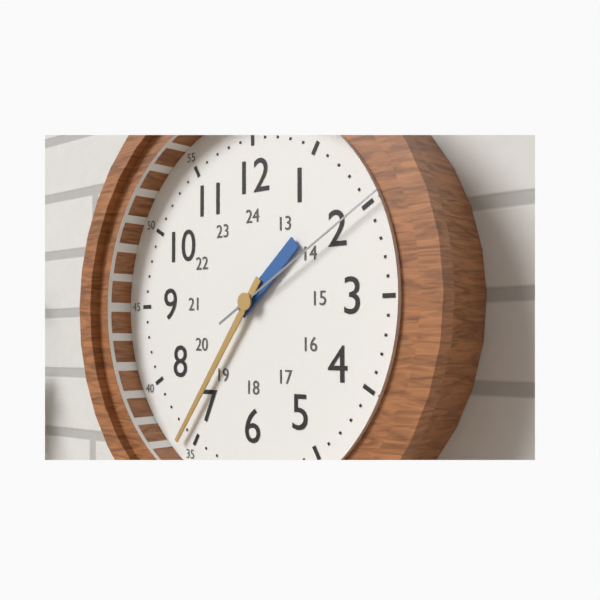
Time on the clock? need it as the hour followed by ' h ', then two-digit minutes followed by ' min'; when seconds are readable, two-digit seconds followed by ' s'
1 h 36 min 10 s
